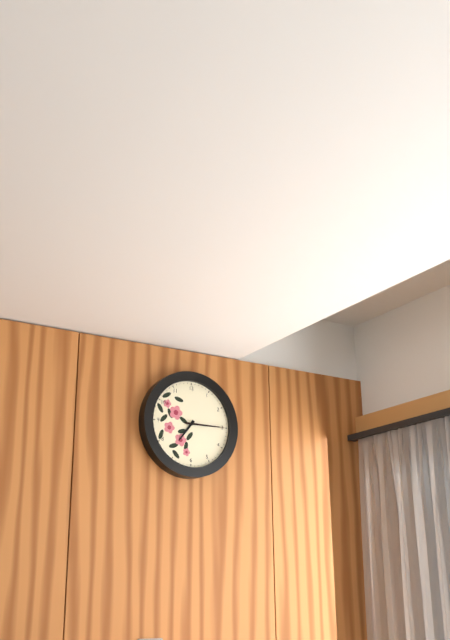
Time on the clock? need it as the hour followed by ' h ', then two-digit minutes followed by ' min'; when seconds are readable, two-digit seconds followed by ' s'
7 h 15 min
